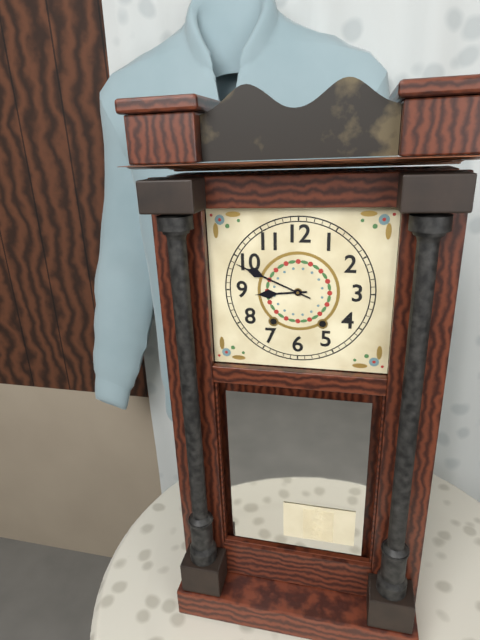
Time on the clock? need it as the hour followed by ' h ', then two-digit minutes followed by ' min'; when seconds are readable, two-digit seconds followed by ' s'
8 h 49 min
